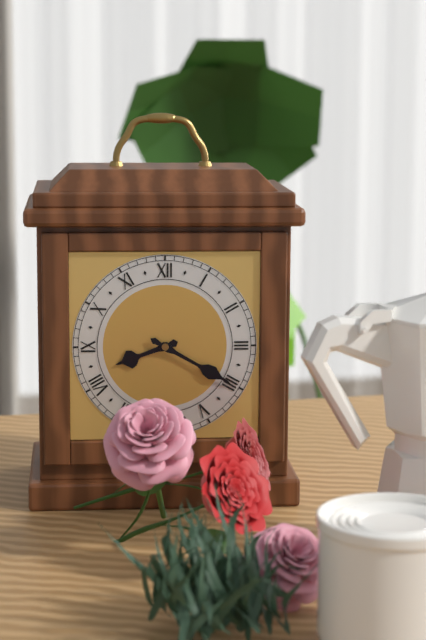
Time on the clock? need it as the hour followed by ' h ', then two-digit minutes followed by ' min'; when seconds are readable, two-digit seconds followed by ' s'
8 h 20 min
